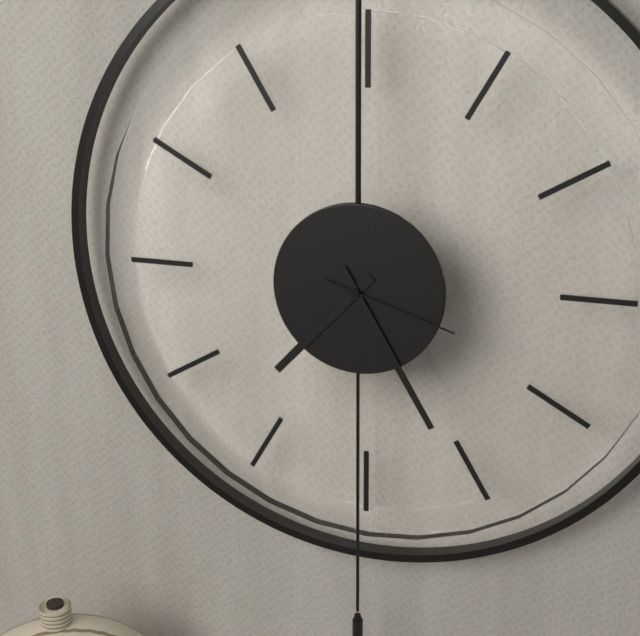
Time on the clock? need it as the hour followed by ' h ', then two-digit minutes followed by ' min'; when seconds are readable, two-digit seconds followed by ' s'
7 h 25 min 18 s
